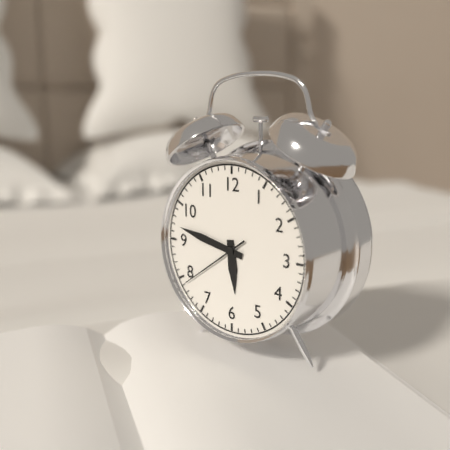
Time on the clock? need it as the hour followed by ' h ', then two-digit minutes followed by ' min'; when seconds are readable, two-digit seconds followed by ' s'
5 h 47 min 39 s
